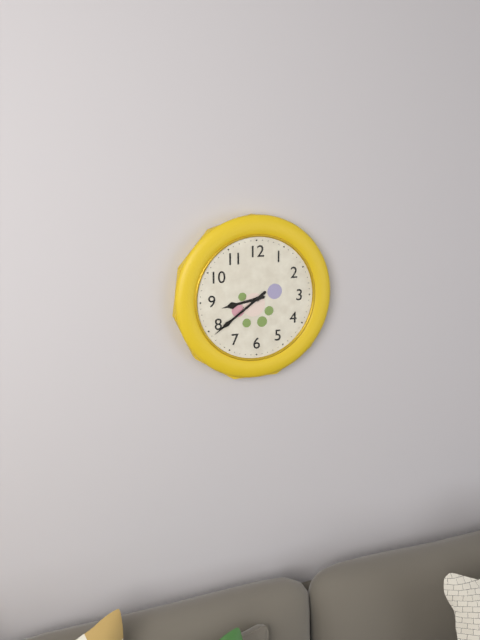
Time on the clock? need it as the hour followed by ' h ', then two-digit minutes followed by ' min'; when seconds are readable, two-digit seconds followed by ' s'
8 h 39 min
